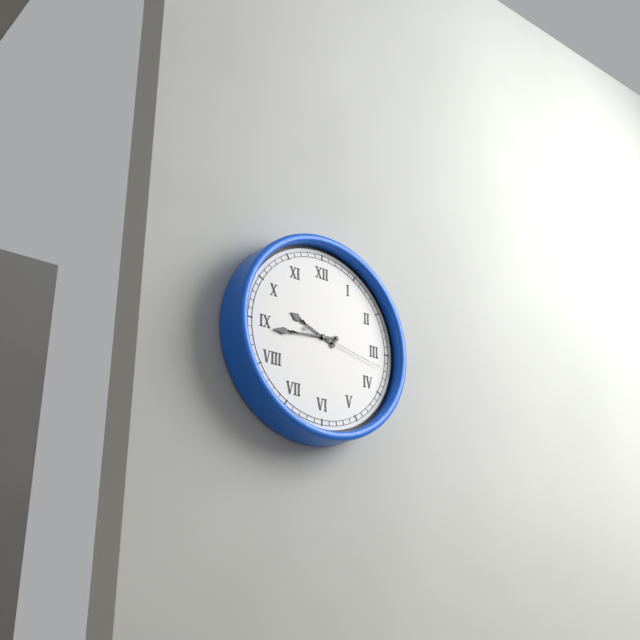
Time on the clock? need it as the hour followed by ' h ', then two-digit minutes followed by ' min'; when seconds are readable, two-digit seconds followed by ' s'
9 h 44 min 17 s
